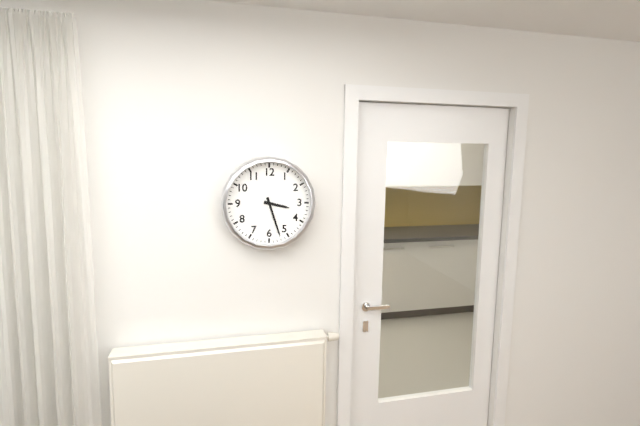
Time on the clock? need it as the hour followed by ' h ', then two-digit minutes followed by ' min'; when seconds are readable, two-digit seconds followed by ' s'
3 h 27 min
